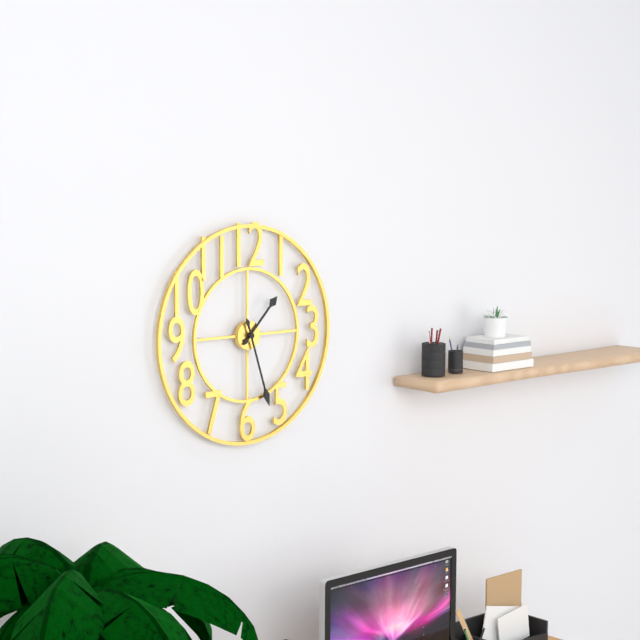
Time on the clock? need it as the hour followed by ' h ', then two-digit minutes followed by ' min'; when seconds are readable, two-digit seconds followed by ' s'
1 h 27 min
